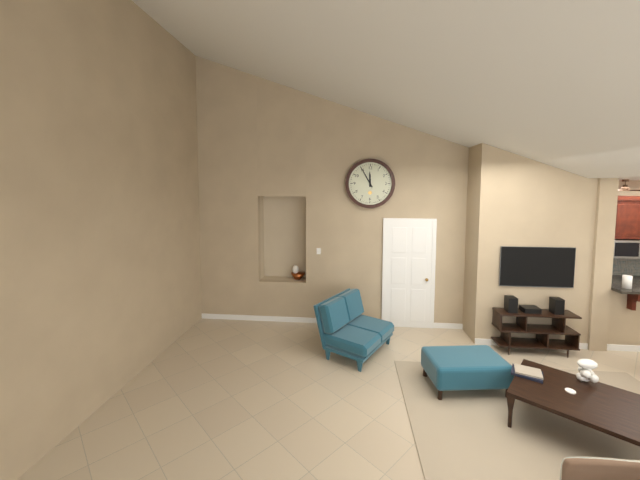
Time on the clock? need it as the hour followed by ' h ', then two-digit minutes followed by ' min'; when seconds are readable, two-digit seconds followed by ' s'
11 h 55 min
